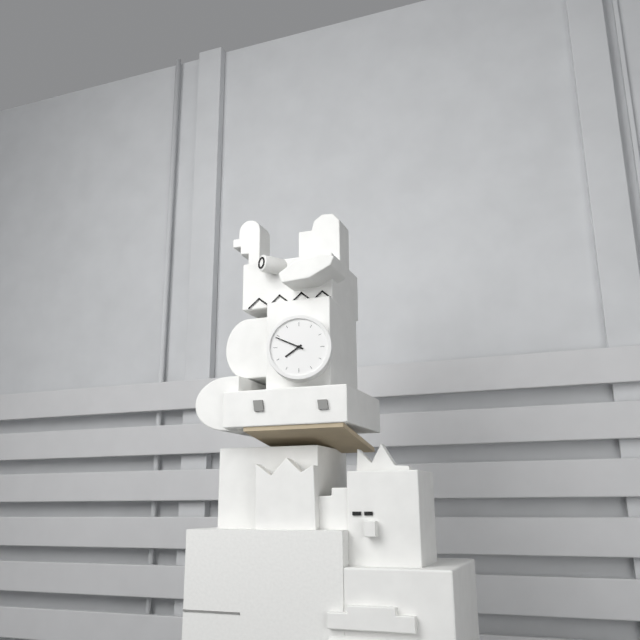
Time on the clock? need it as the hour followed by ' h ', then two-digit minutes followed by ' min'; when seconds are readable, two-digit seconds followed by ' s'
7 h 49 min
